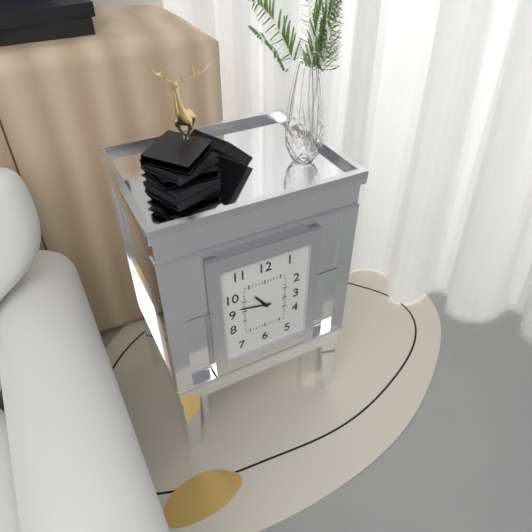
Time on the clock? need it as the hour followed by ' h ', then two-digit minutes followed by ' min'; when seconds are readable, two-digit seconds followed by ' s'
10 h 47 min
